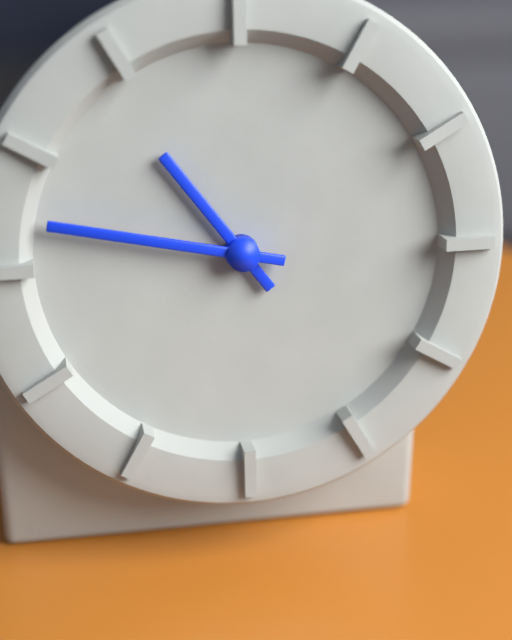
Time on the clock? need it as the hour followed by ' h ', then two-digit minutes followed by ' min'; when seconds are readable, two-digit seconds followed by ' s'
10 h 47 min
